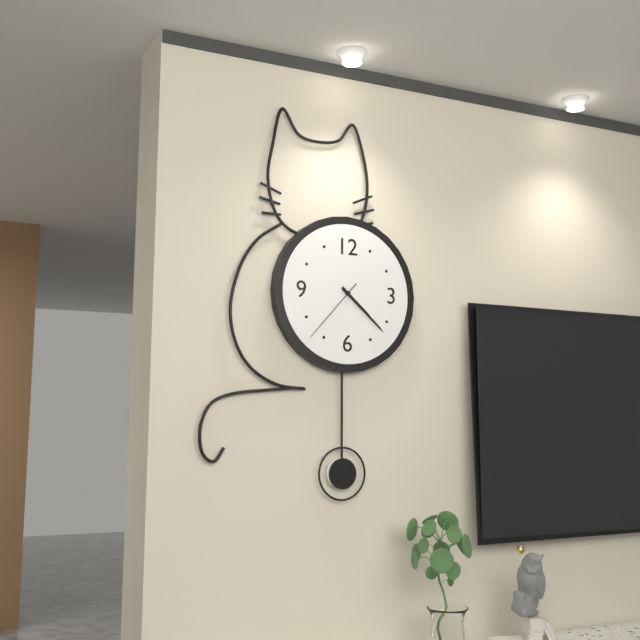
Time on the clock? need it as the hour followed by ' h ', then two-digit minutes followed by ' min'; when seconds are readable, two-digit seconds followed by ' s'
4 h 22 min 37 s
